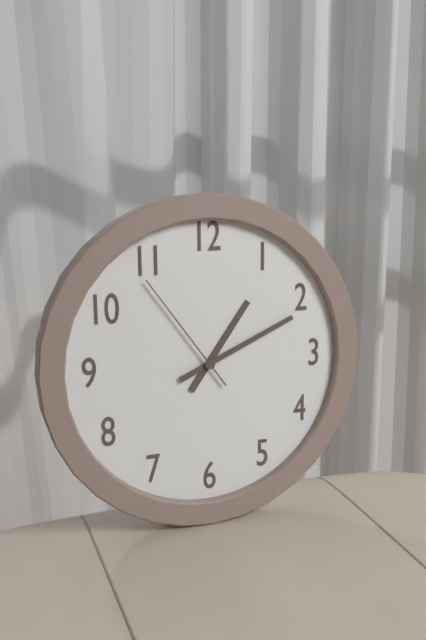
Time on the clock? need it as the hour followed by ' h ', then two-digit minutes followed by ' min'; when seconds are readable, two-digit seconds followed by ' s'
1 h 11 min 54 s
